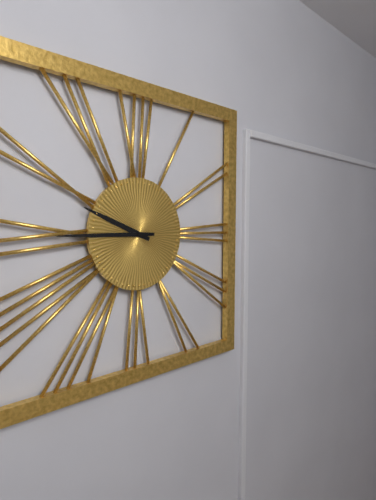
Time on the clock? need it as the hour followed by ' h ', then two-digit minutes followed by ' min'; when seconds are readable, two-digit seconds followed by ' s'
9 h 45 min
